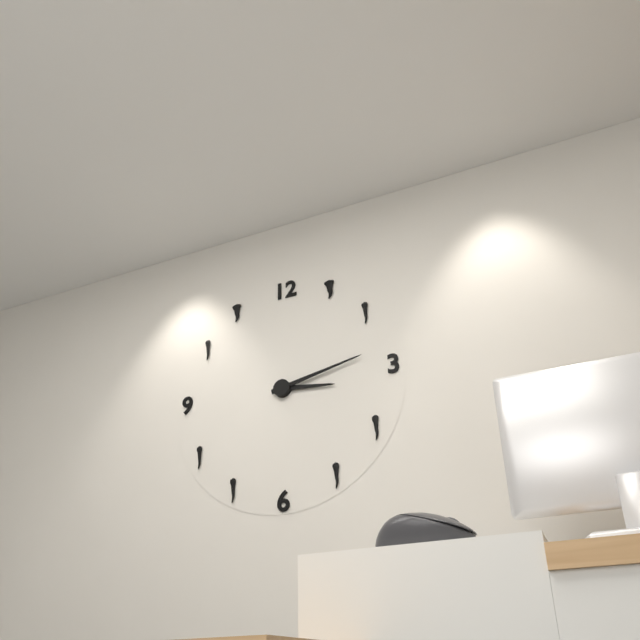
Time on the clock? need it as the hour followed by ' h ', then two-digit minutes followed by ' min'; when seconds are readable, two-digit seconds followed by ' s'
3 h 13 min
